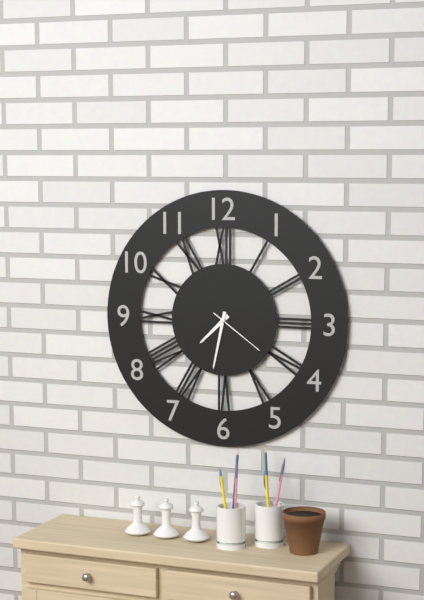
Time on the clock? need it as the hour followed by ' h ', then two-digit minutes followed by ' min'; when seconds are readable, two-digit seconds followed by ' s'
7 h 32 min 21 s
